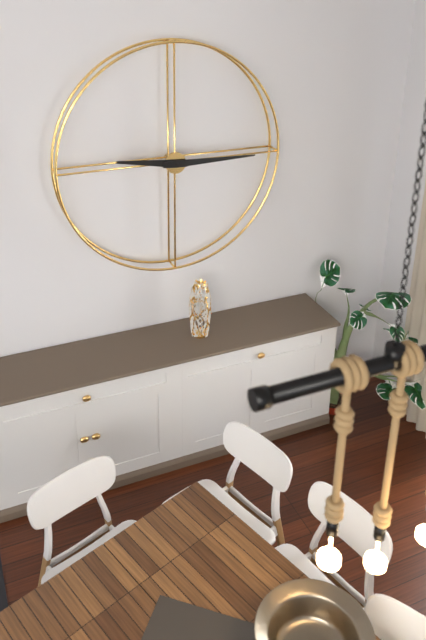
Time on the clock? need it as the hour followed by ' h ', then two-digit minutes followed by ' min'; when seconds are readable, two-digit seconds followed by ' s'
9 h 15 min
